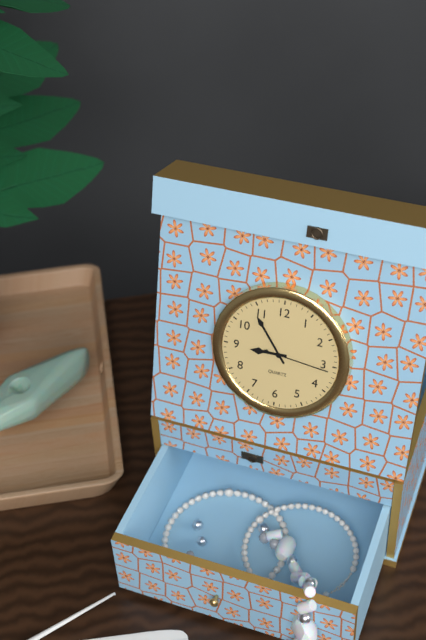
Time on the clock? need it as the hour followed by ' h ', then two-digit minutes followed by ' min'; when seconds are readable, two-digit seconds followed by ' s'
8 h 54 min 16 s
